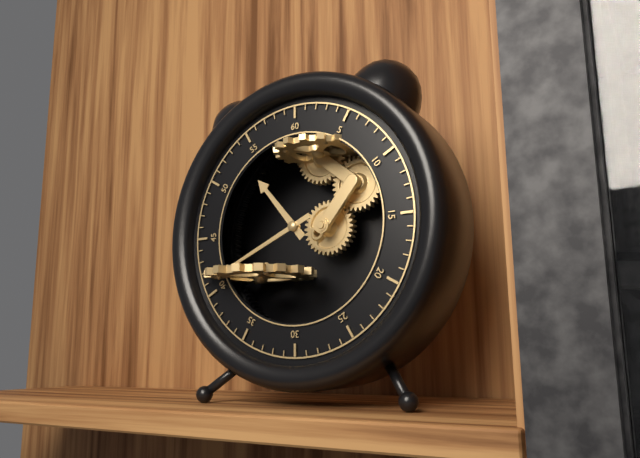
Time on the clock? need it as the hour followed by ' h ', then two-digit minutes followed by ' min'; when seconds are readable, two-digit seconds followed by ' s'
10 h 41 min
